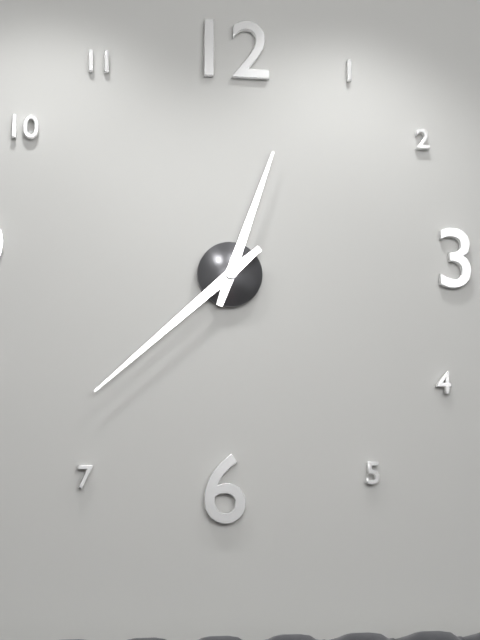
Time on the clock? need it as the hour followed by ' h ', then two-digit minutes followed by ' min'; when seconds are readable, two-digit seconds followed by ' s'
12 h 38 min
